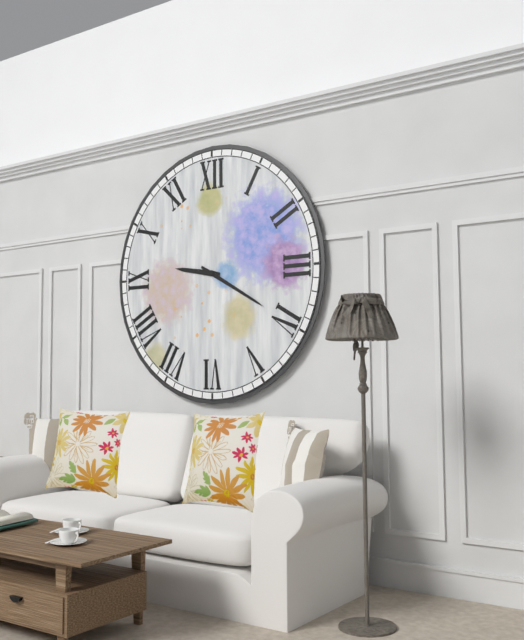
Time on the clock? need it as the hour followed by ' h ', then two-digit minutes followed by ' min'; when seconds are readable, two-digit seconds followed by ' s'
9 h 20 min
